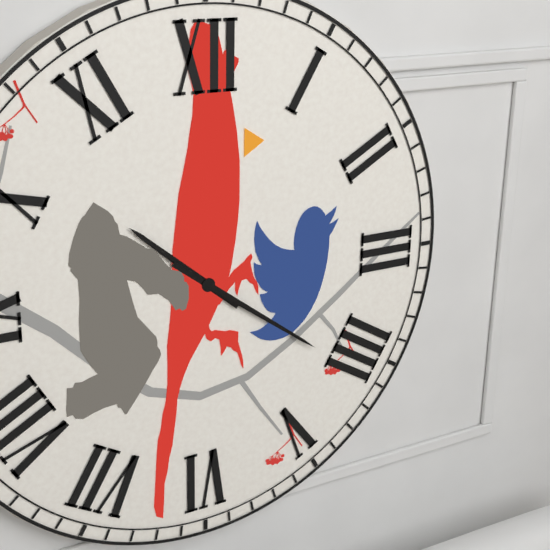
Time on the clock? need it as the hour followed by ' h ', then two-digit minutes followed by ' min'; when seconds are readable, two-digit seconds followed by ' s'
10 h 21 min
